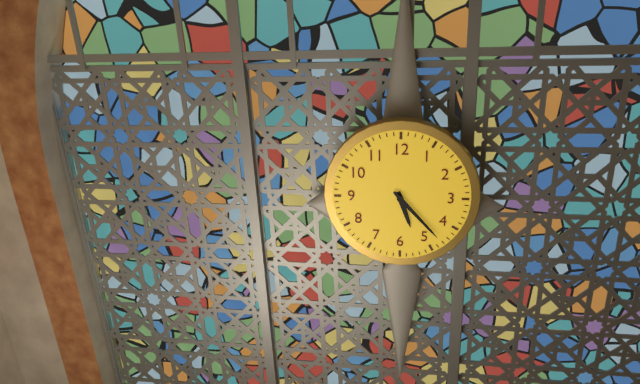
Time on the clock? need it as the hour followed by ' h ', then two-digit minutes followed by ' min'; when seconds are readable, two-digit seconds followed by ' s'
5 h 23 min
